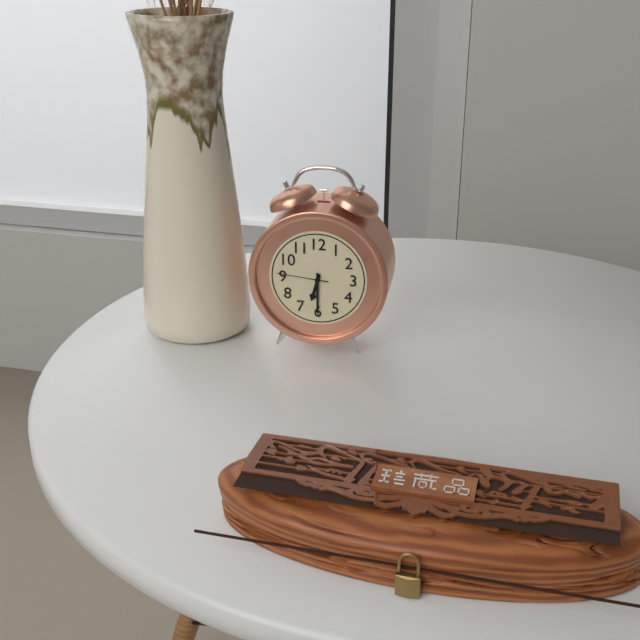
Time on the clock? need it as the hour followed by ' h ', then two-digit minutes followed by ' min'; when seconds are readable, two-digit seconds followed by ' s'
6 h 30 min 46 s
